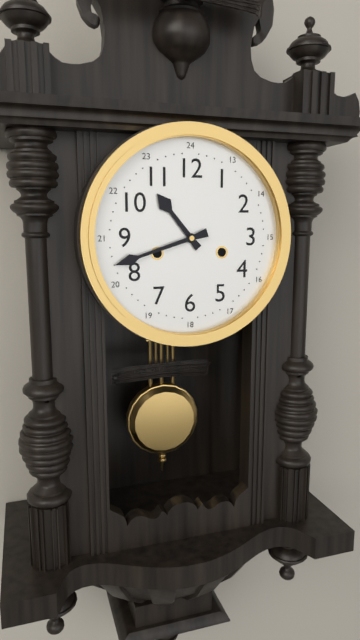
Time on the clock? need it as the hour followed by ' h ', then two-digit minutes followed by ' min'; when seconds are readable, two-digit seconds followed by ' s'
10 h 42 min
